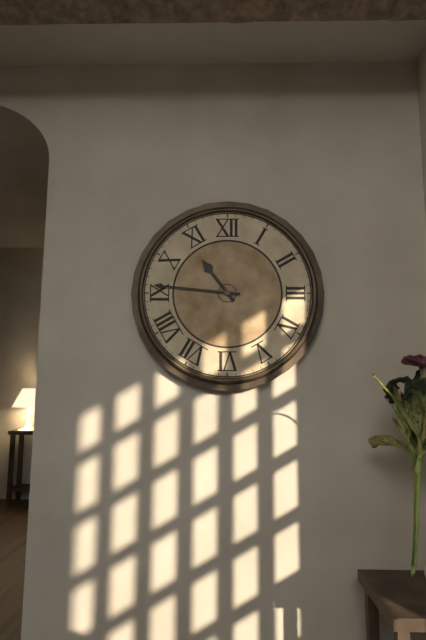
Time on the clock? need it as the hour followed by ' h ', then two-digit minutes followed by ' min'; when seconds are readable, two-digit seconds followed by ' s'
10 h 46 min
